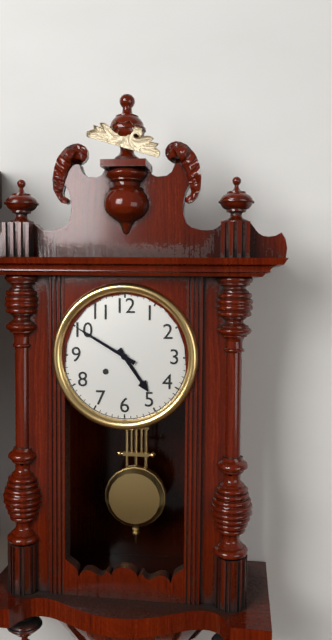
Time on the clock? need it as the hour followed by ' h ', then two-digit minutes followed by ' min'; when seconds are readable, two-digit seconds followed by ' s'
4 h 50 min
